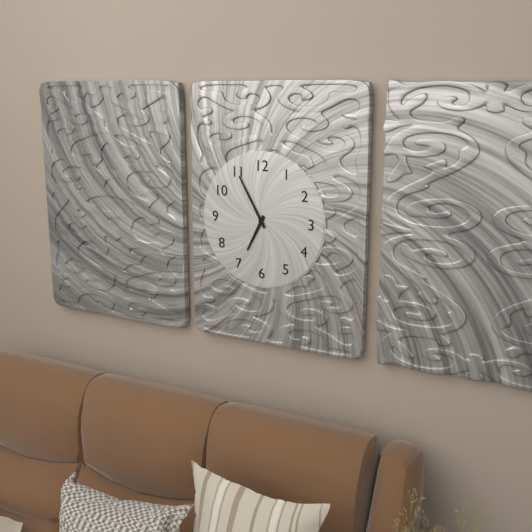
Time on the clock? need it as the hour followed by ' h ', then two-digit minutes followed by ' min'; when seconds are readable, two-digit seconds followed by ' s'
6 h 55 min
